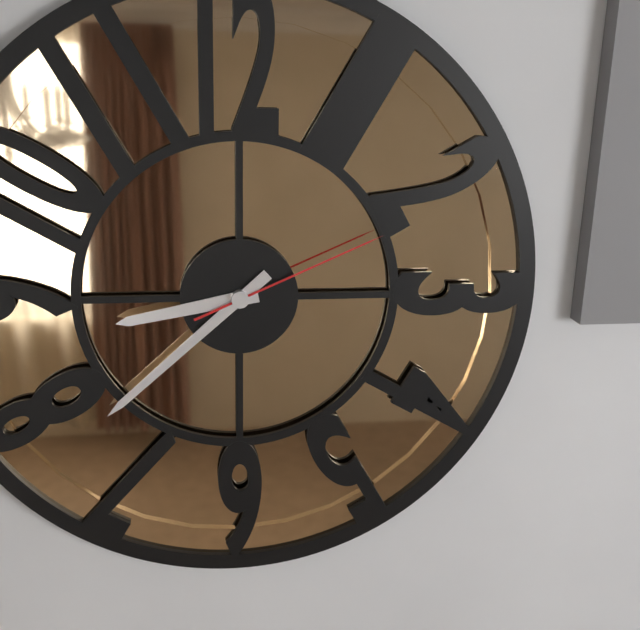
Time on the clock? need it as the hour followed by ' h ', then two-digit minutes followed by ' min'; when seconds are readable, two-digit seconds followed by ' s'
8 h 38 min 11 s
